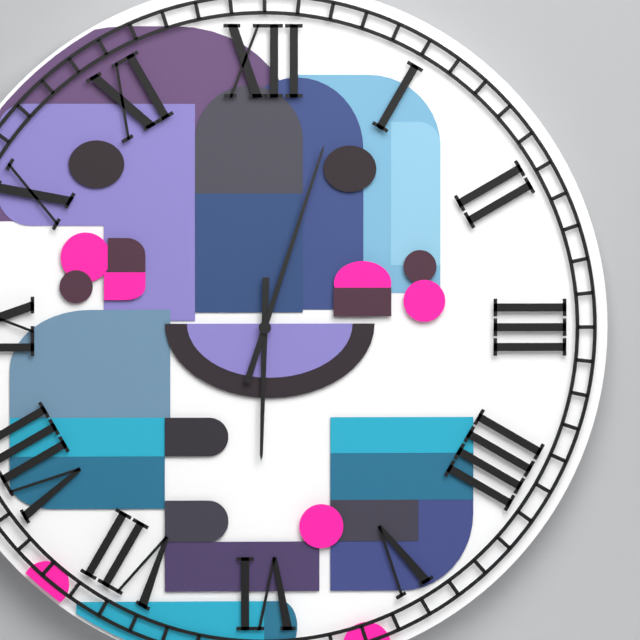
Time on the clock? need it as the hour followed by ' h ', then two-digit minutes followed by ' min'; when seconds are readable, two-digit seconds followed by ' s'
6 h 03 min
